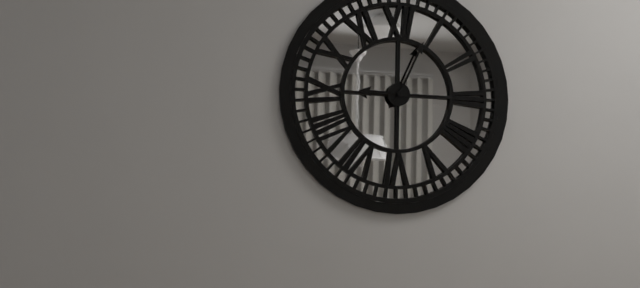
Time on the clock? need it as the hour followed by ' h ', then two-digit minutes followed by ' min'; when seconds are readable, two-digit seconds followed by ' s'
9 h 04 min
